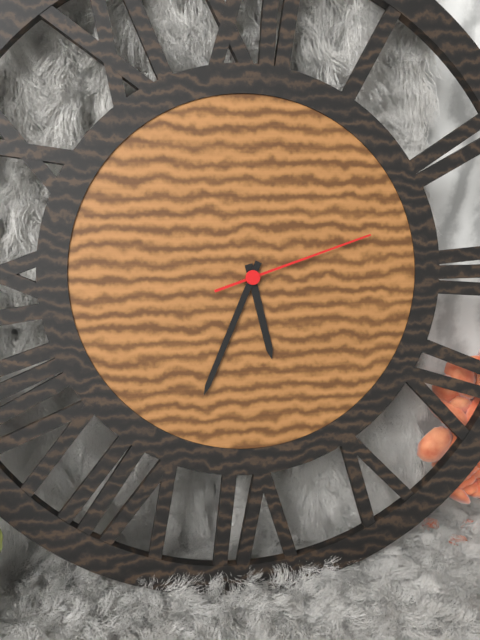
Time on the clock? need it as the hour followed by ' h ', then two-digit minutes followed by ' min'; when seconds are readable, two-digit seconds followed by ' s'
5 h 34 min 12 s
